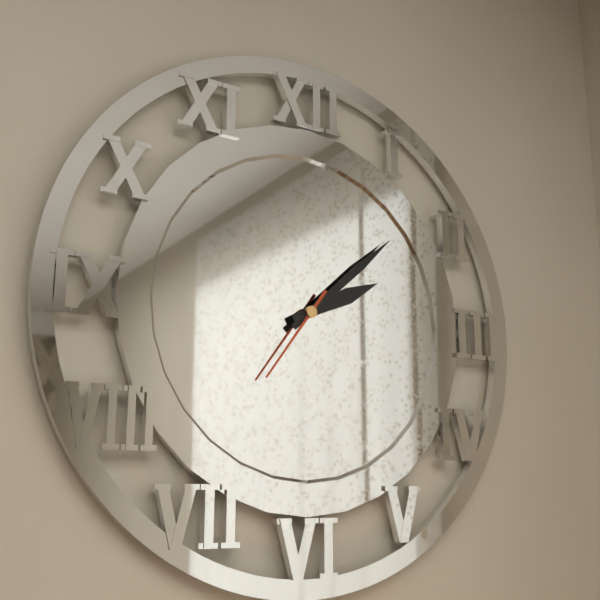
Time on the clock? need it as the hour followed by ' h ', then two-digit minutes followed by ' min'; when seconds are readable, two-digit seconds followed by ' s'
2 h 08 min 36 s
